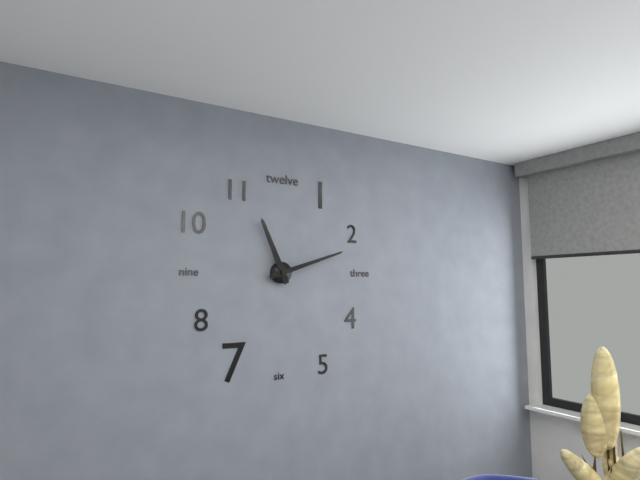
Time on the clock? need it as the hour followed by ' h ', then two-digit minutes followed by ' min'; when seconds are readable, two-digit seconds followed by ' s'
11 h 12 min
